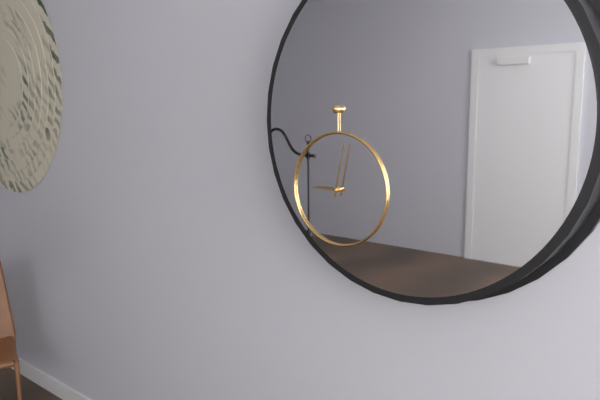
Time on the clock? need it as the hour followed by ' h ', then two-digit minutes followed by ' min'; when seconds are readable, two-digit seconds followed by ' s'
9 h 02 min
